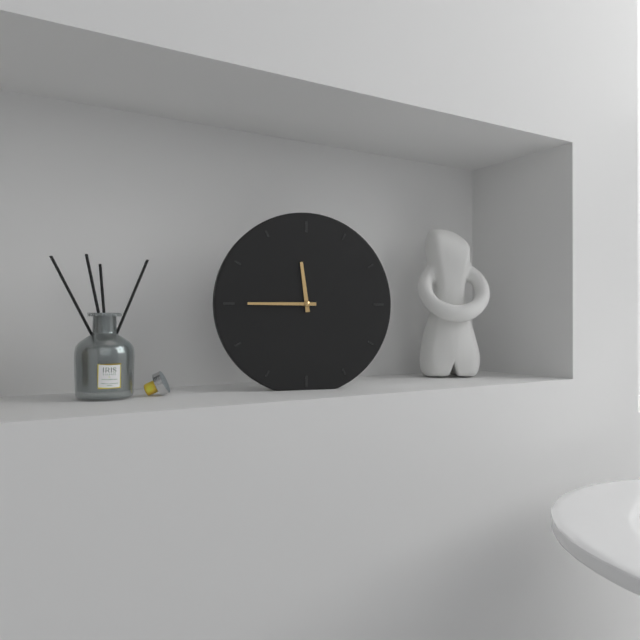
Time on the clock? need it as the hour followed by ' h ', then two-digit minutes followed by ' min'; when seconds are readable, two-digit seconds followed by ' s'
11 h 45 min
